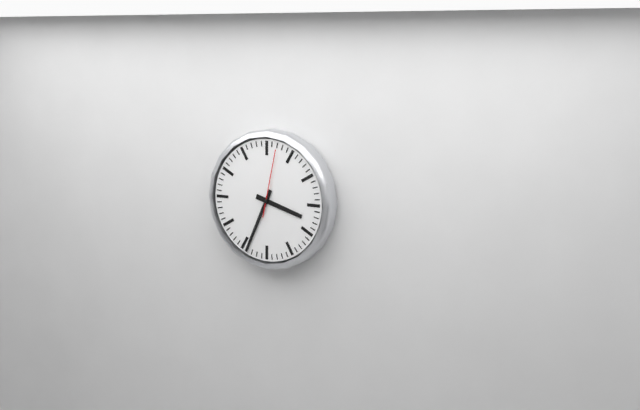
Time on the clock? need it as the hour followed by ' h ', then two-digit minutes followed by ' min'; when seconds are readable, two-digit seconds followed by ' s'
3 h 34 min 02 s
